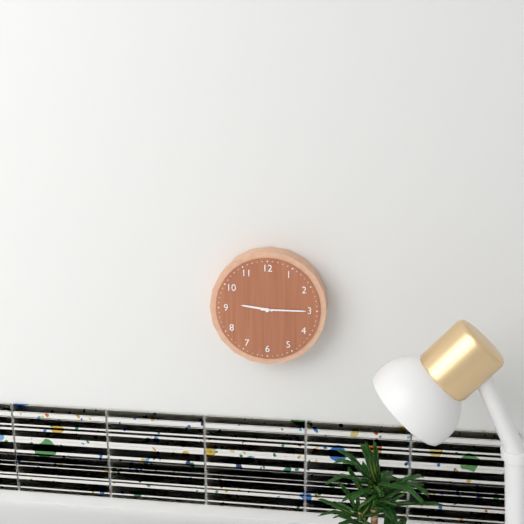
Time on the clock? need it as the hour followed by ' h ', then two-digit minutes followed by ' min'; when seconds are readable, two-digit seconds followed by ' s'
9 h 15 min
